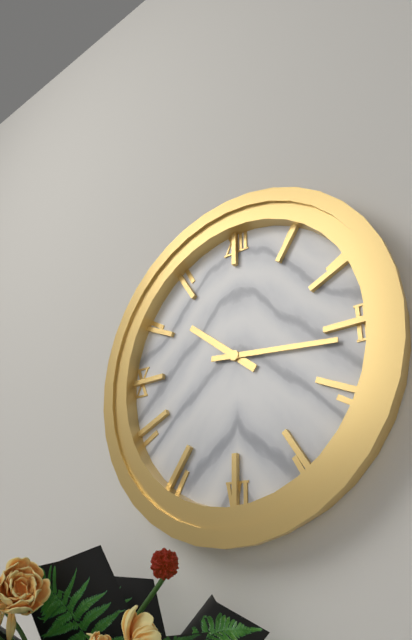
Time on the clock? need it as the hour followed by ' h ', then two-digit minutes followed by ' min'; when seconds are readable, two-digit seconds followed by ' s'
10 h 16 min
